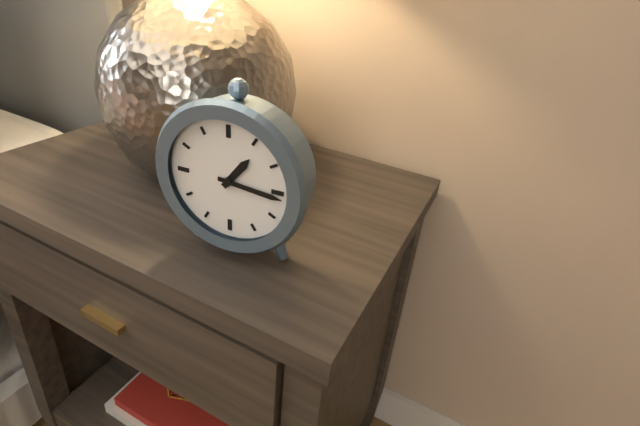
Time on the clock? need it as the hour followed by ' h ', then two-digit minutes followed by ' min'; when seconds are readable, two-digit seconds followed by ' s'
1 h 16 min
